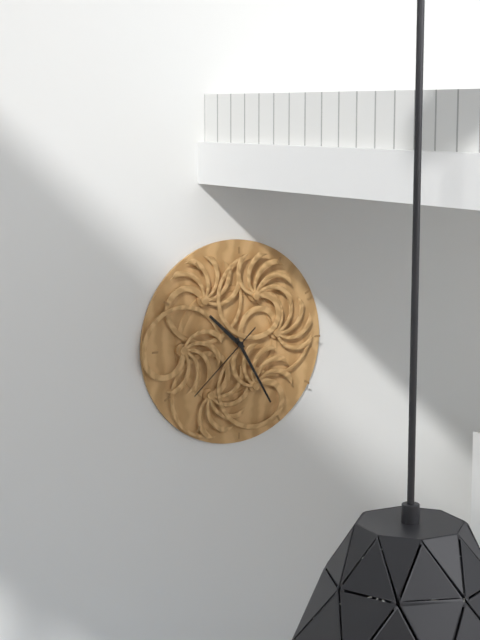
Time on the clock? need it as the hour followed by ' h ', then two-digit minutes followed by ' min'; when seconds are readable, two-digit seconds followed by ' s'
10 h 25 min 38 s
